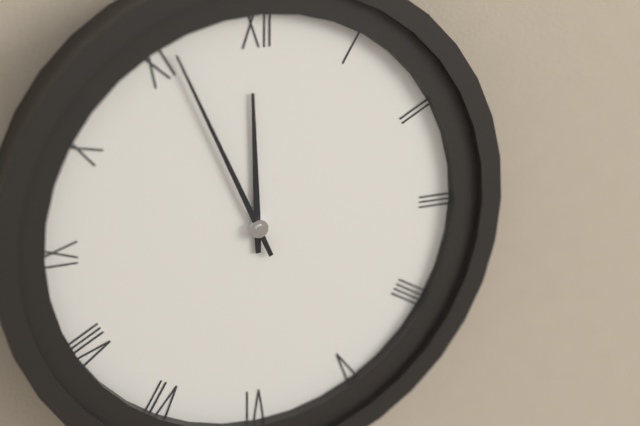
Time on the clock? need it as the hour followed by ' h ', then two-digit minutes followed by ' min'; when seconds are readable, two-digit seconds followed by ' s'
11 h 56 min
